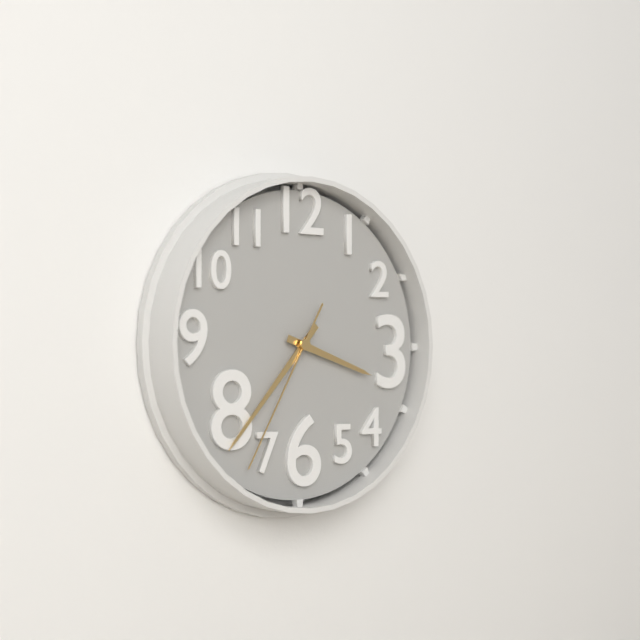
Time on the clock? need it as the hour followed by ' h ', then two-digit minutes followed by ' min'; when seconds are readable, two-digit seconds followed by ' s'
3 h 37 min 35 s
